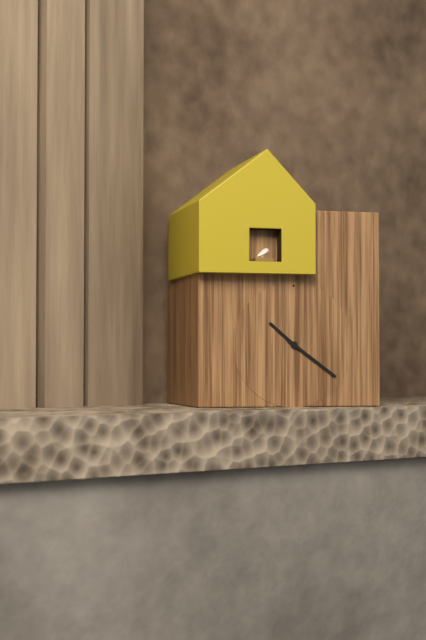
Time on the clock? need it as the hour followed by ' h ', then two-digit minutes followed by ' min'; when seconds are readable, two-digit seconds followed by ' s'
10 h 21 min
